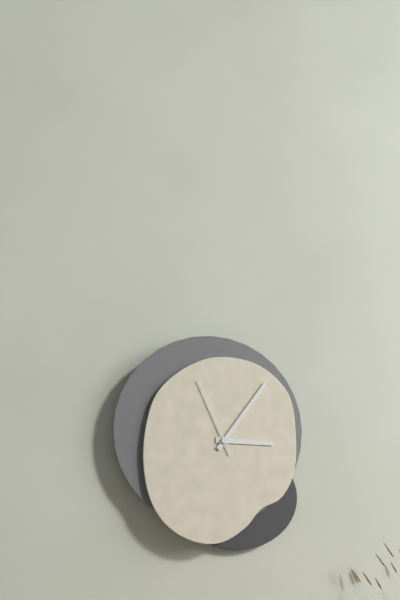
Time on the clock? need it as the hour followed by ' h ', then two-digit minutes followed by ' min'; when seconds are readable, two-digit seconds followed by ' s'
3 h 06 min 56 s
